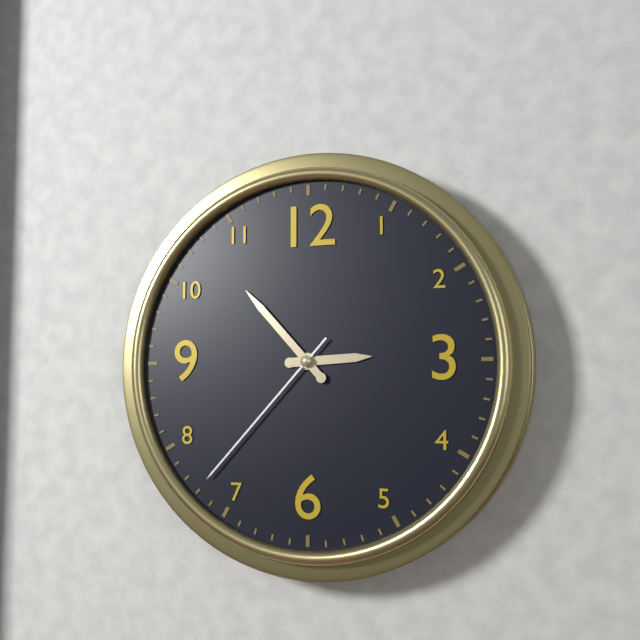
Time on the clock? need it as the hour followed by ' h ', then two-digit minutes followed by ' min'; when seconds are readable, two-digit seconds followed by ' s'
2 h 53 min 37 s
